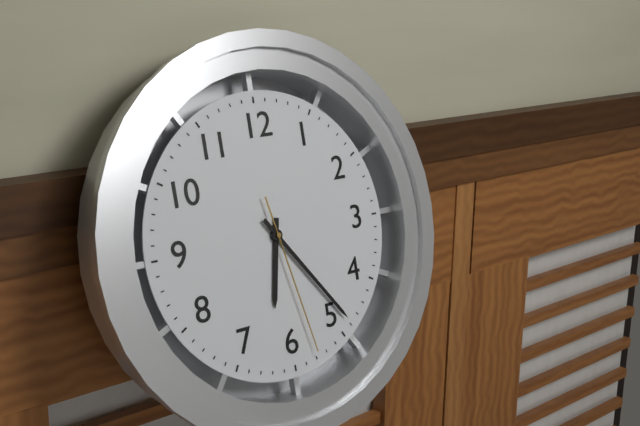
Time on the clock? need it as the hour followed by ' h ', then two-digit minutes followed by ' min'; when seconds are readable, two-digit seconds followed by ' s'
6 h 24 min 28 s
